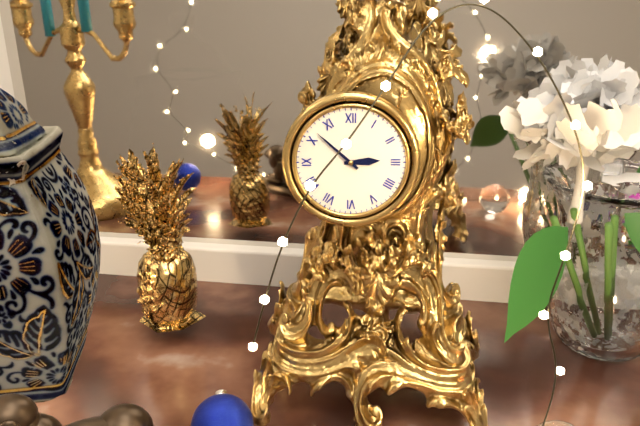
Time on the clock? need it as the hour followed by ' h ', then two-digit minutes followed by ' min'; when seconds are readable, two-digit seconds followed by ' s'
2 h 52 min
